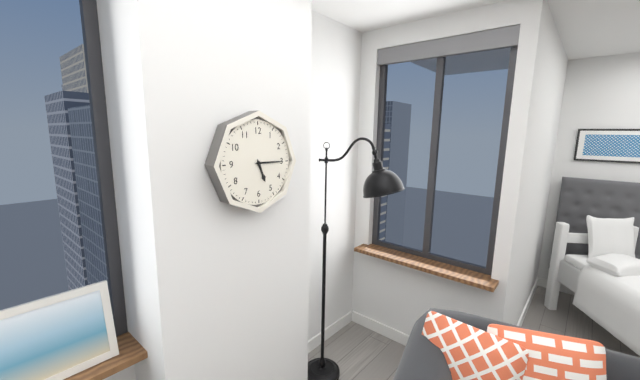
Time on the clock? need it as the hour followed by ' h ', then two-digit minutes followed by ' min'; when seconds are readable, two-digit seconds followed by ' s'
5 h 15 min
